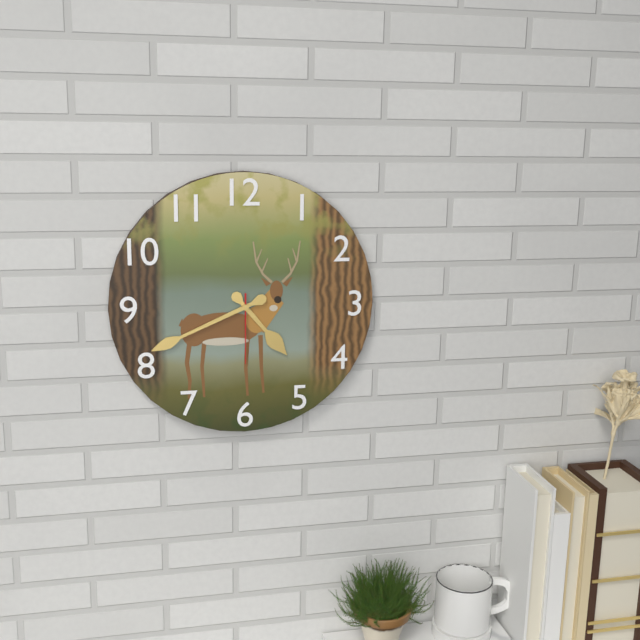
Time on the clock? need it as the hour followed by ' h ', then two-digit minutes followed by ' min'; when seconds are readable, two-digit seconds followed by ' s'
4 h 41 min 30 s
